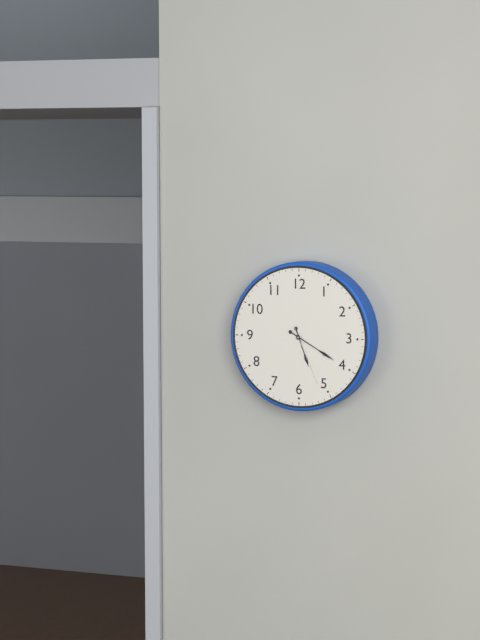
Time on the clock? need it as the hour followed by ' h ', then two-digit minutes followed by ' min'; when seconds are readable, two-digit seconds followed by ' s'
5 h 20 min 26 s
